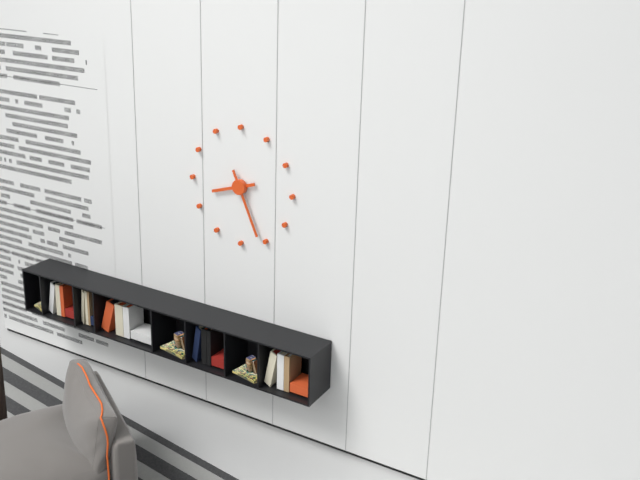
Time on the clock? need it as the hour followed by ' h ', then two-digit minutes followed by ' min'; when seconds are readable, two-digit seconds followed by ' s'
8 h 26 min
